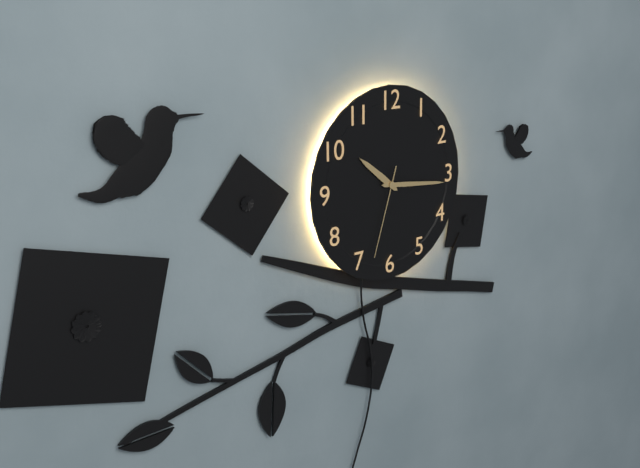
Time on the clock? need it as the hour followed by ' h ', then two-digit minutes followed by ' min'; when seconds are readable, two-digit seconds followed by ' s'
10 h 16 min 33 s
